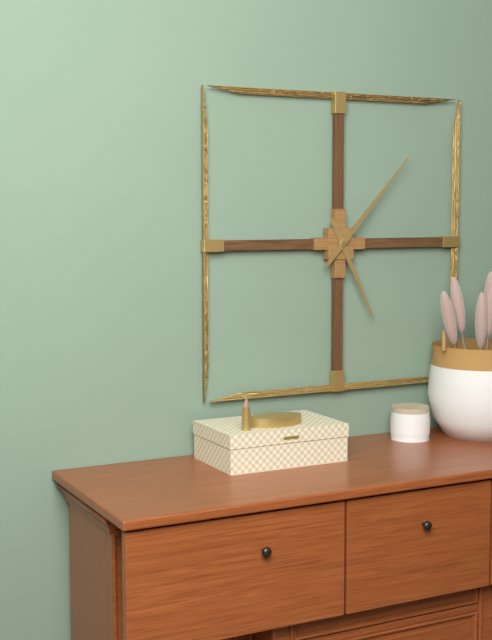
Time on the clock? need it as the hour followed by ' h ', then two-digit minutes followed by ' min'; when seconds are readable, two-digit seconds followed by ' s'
5 h 07 min
